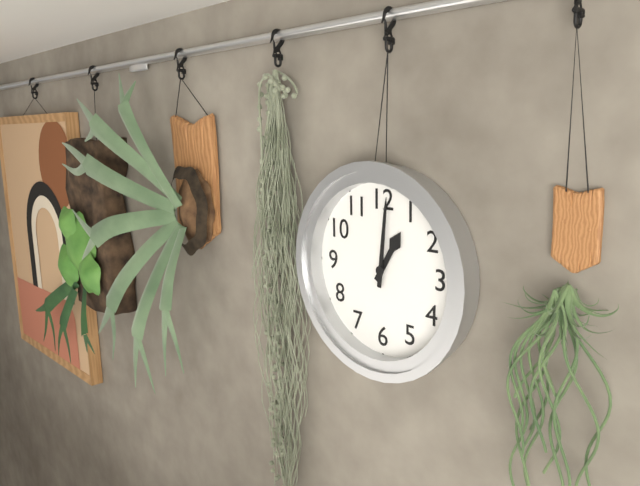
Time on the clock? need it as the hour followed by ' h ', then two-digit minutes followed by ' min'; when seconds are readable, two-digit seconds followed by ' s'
1 h 01 min
